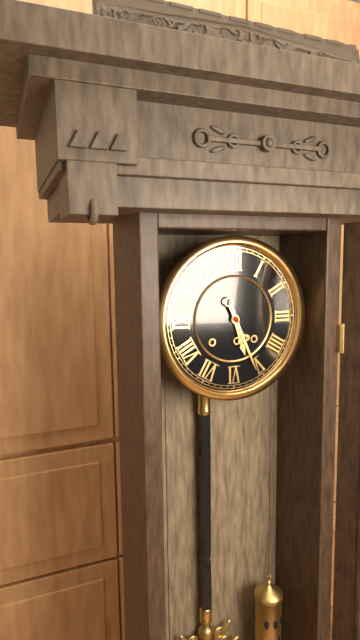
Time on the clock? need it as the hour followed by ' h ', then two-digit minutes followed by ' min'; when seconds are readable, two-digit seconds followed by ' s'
5 h 26 min
